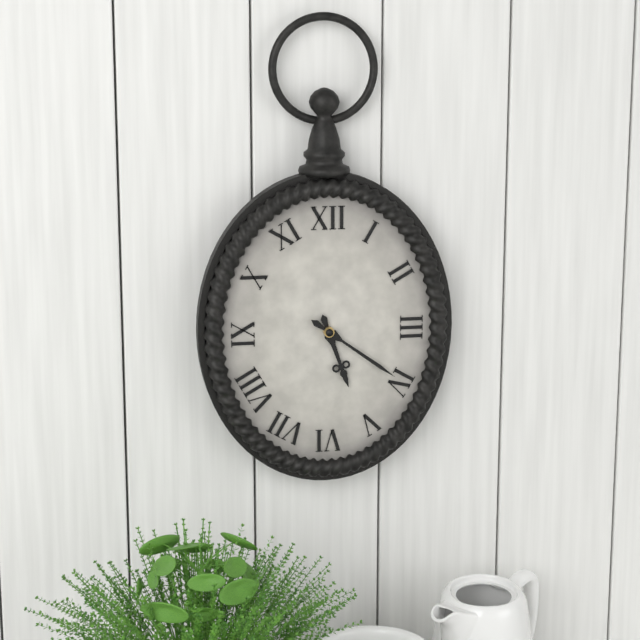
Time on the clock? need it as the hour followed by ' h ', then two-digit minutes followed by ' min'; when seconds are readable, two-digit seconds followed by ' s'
5 h 21 min
